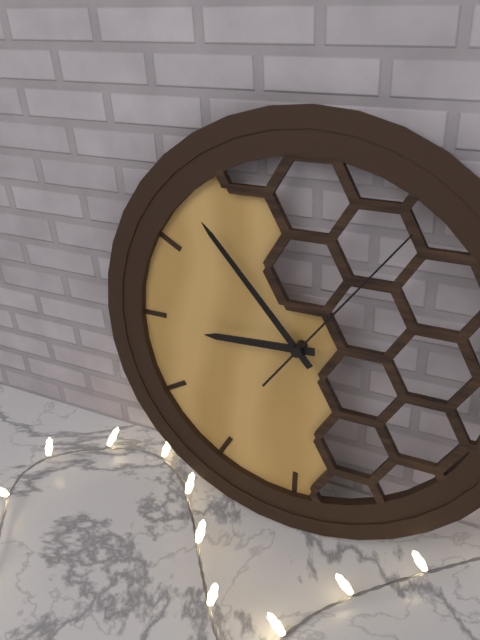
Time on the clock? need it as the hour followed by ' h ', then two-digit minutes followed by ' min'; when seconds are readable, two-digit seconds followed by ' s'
8 h 53 min 06 s
